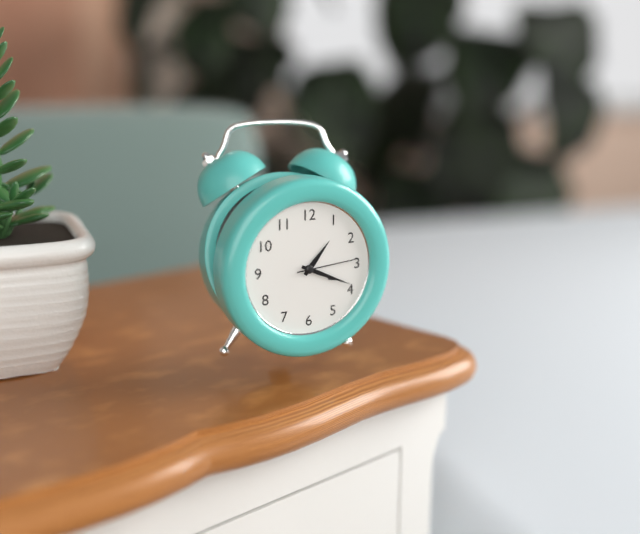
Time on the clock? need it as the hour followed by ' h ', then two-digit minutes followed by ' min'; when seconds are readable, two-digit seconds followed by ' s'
1 h 19 min 14 s
